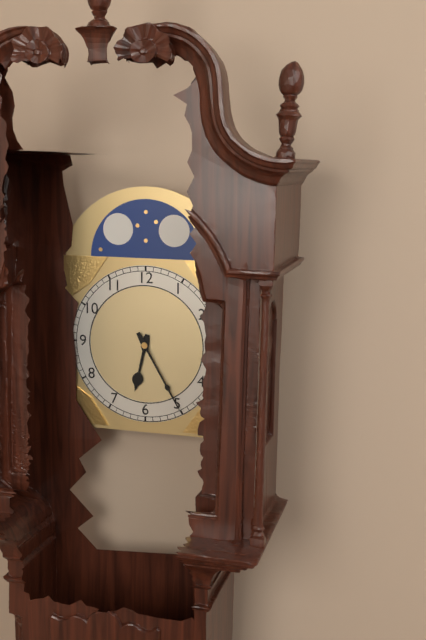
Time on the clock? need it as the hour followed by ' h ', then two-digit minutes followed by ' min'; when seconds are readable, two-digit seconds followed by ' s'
6 h 25 min
